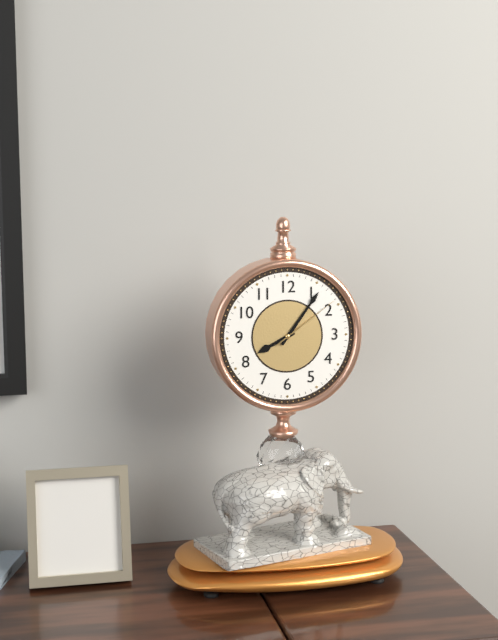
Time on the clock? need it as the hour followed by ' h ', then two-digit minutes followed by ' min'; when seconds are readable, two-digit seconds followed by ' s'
8 h 06 min 09 s
